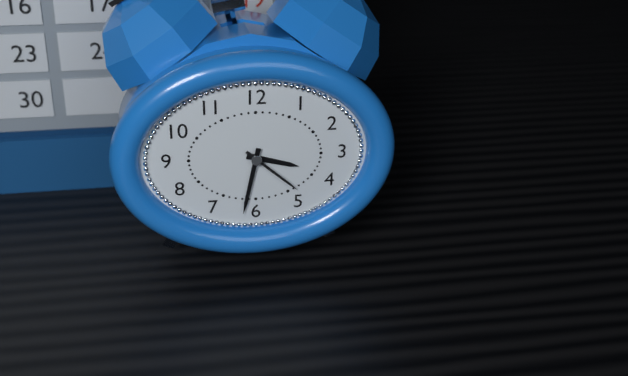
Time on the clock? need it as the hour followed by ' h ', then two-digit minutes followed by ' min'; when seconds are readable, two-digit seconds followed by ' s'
3 h 32 min 22 s
